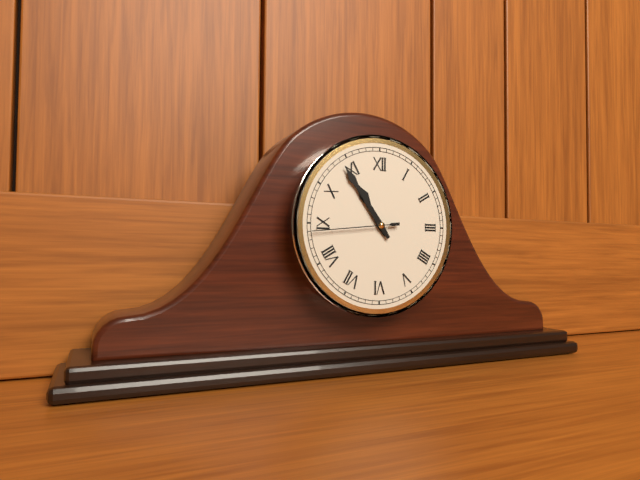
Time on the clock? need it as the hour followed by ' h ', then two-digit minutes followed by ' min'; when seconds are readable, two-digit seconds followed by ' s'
10 h 54 min 44 s
